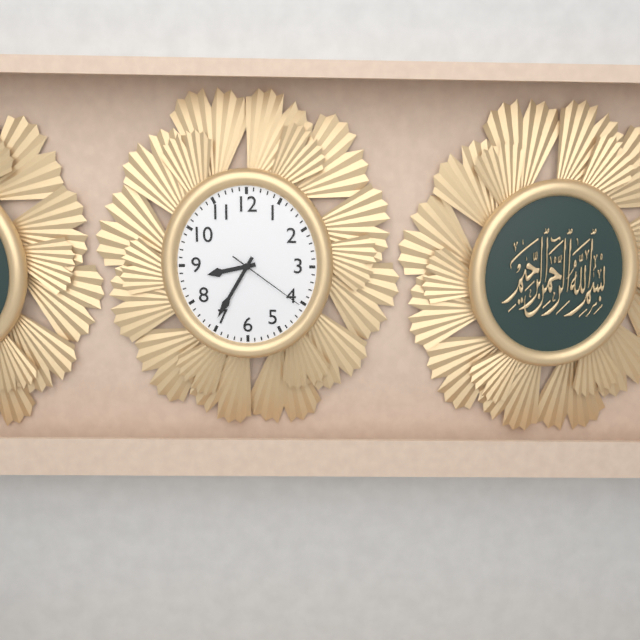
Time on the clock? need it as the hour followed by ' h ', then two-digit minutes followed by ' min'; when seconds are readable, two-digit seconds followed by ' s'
8 h 35 min 21 s
